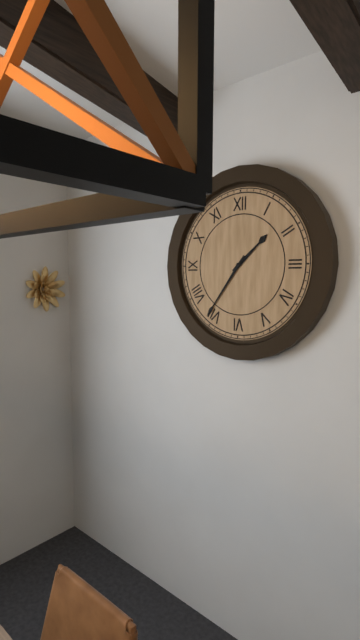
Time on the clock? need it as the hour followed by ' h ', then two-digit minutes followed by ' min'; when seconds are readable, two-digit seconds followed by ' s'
1 h 36 min
